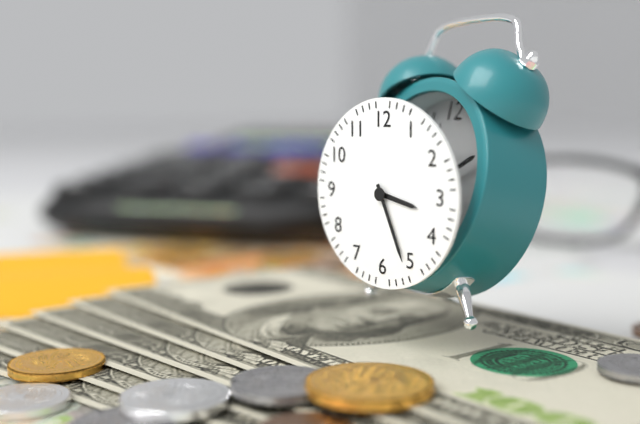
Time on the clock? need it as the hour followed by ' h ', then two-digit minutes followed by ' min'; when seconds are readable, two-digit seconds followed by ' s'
3 h 26 min
